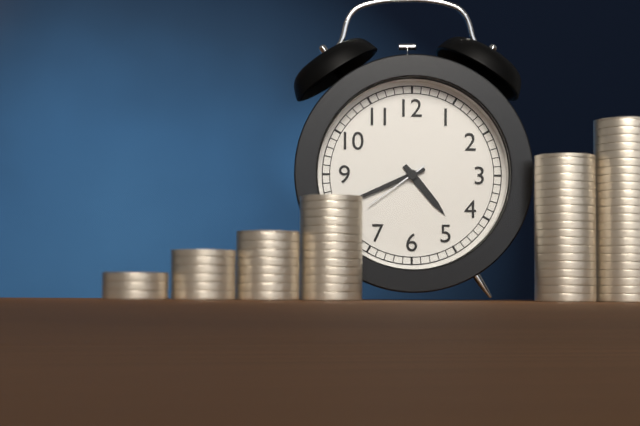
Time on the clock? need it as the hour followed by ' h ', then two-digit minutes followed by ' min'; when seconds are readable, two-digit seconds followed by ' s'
4 h 41 min 39 s
